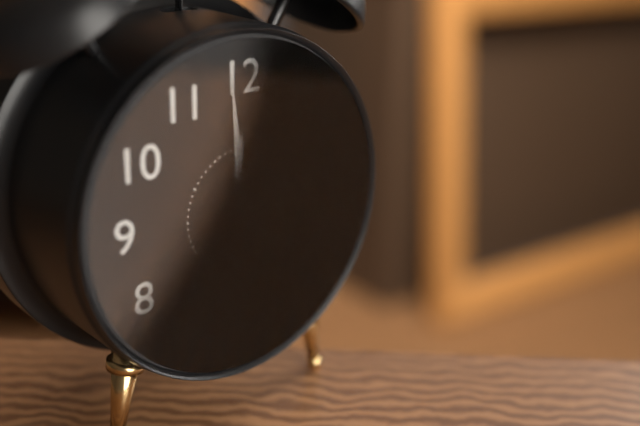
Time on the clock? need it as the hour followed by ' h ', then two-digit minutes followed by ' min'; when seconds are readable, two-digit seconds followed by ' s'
4 h 59 min
